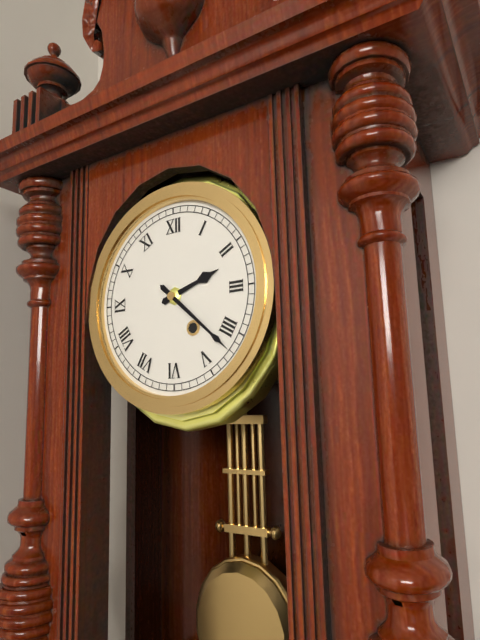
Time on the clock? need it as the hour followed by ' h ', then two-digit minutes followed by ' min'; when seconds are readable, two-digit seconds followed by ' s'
2 h 22 min
